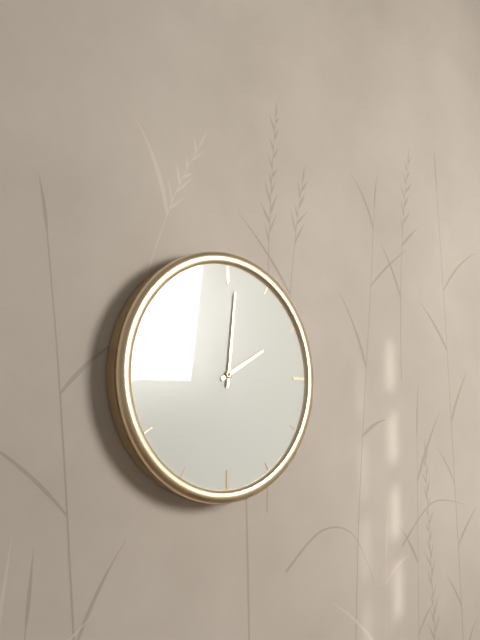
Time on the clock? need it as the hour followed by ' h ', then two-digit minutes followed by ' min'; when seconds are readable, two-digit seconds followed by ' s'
2 h 01 min
